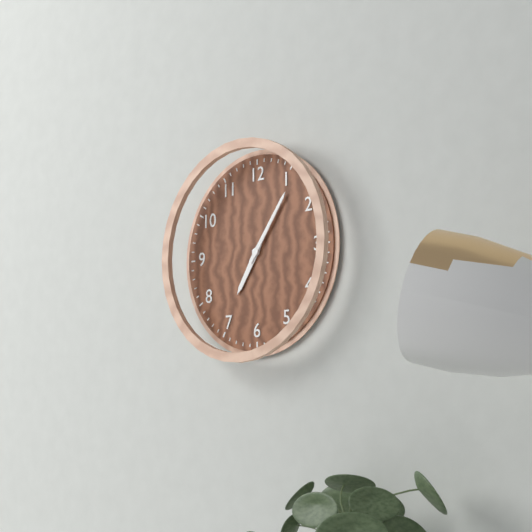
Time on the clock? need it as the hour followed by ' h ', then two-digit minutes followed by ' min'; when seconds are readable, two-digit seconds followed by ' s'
7 h 06 min
